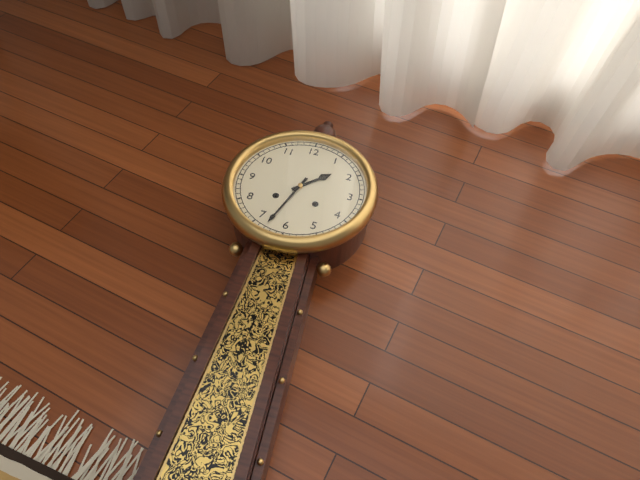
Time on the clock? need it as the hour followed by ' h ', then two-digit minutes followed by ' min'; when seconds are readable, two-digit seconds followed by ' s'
1 h 33 min
